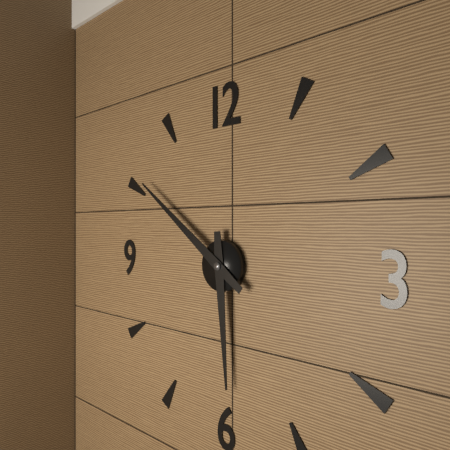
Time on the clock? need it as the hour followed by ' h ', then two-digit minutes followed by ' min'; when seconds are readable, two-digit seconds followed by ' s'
5 h 51 min
